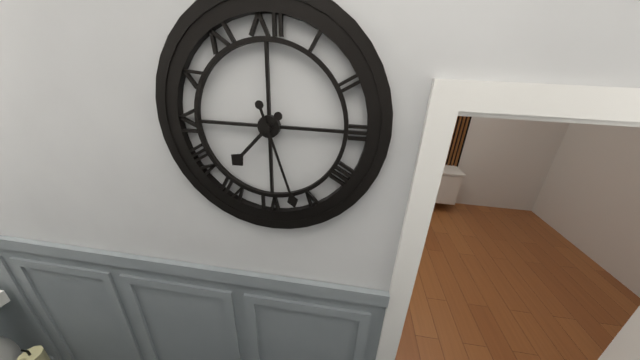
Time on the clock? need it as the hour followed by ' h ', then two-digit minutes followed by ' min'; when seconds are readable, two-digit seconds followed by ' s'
7 h 27 min
